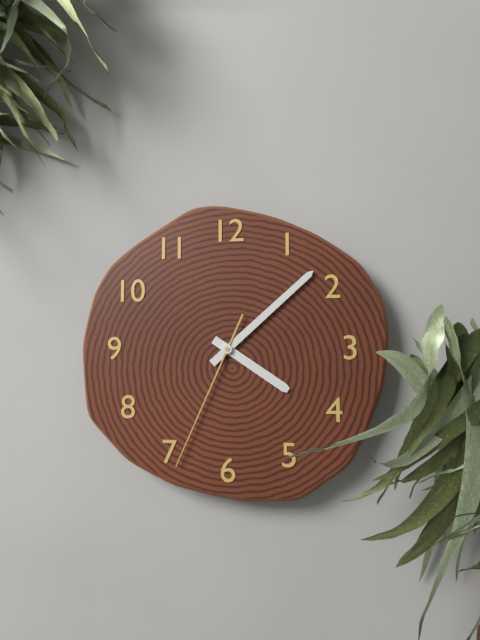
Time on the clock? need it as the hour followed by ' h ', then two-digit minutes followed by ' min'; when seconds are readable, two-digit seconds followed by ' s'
4 h 08 min 34 s
